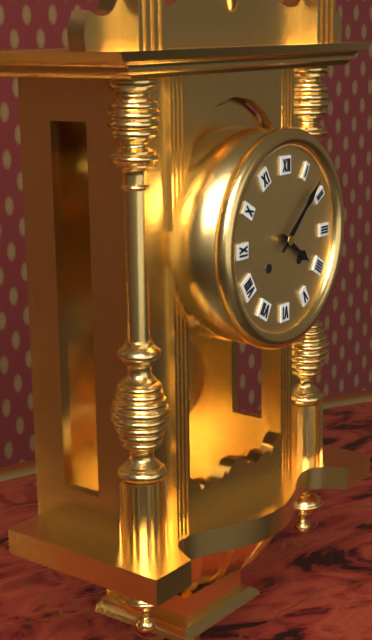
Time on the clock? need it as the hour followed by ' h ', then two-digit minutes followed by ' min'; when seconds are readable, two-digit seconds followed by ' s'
4 h 08 min
